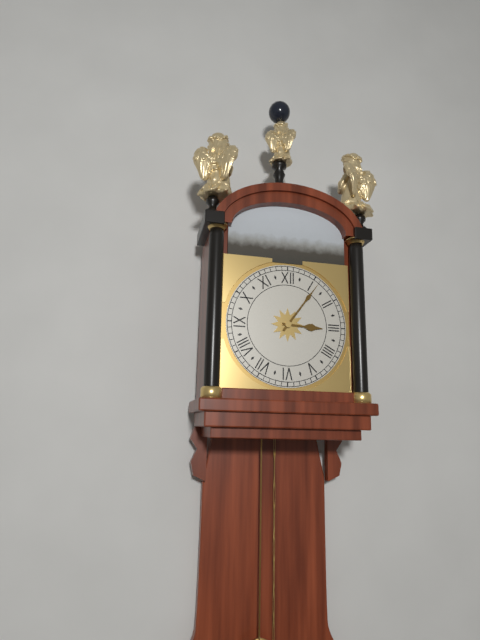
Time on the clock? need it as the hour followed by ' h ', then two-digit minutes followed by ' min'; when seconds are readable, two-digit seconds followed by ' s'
3 h 06 min
